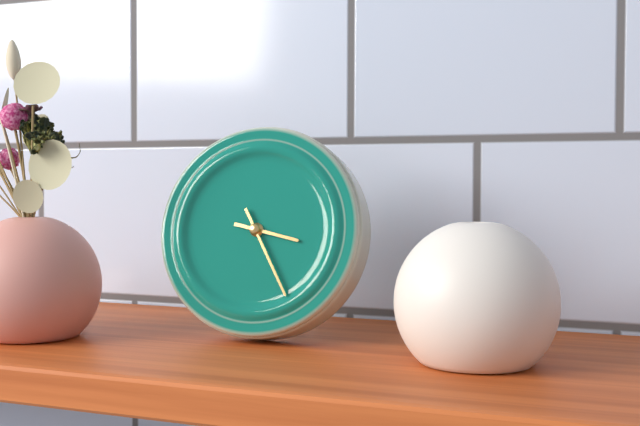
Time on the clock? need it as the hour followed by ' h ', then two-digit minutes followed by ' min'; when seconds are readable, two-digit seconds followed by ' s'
3 h 25 min
